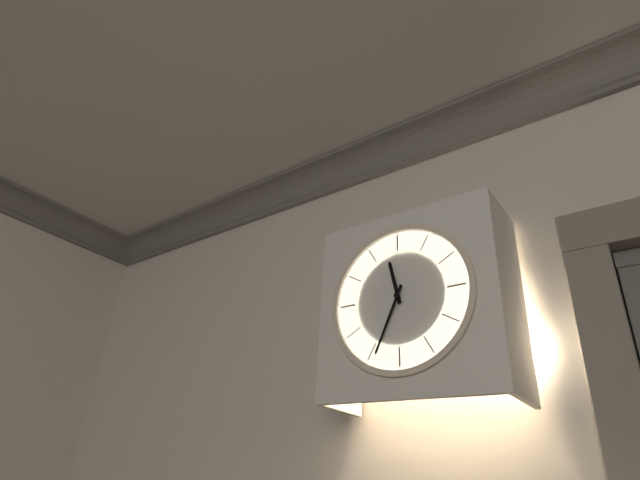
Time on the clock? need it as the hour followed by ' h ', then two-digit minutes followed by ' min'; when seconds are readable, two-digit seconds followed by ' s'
11 h 34 min
